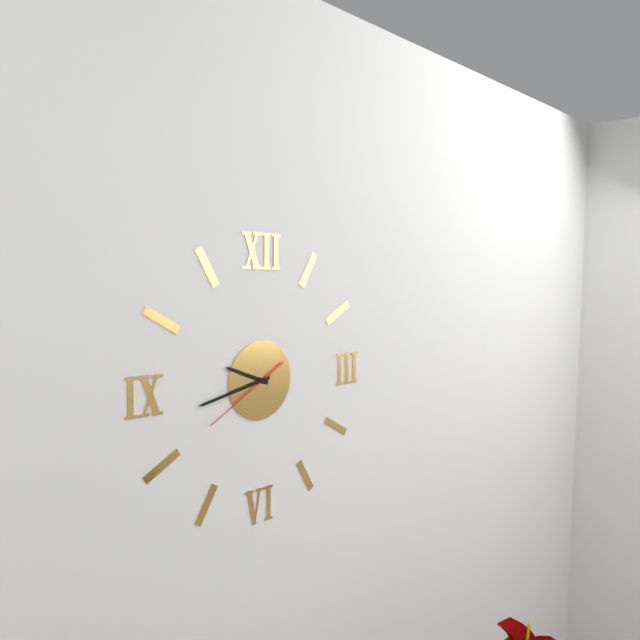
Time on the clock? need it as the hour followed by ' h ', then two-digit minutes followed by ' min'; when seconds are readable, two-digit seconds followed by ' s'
9 h 43 min 40 s
